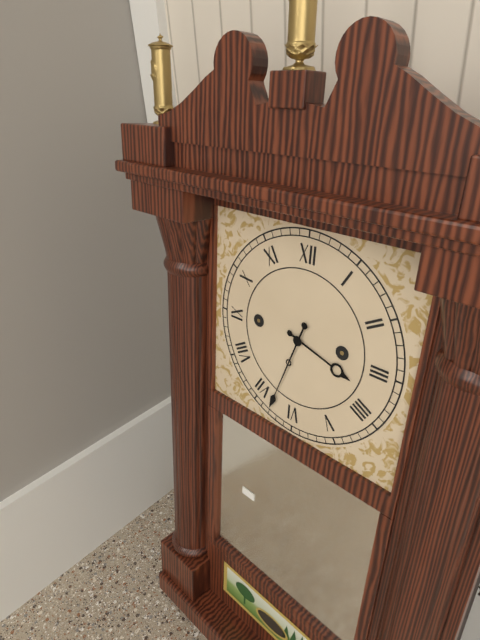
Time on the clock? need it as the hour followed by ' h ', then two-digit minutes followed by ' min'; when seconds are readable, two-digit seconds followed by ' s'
3 h 33 min
